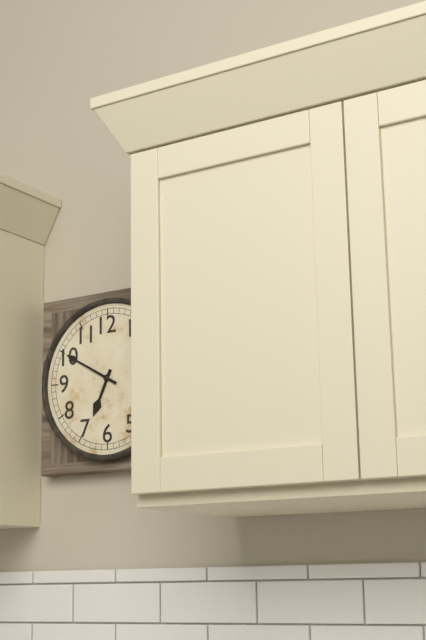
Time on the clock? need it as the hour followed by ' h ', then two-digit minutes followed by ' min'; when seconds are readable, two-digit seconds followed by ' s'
6 h 50 min
